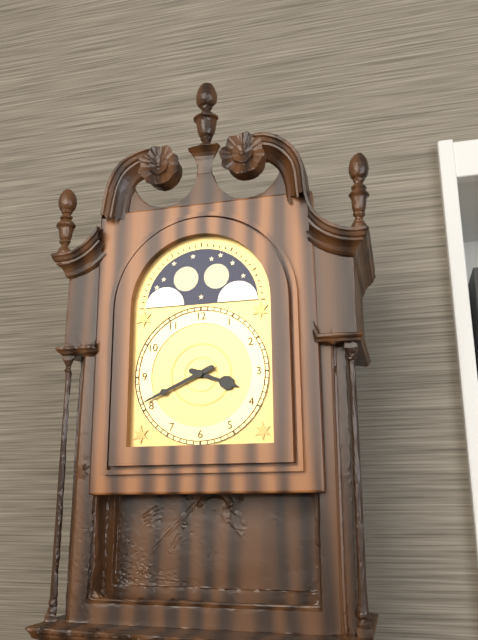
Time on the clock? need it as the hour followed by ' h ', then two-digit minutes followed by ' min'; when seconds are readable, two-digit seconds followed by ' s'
3 h 41 min
